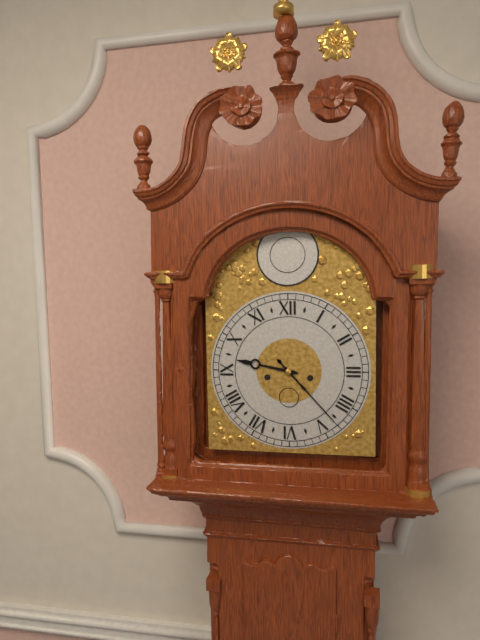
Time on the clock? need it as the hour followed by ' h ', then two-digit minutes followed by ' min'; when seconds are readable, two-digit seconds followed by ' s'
9 h 23 min
